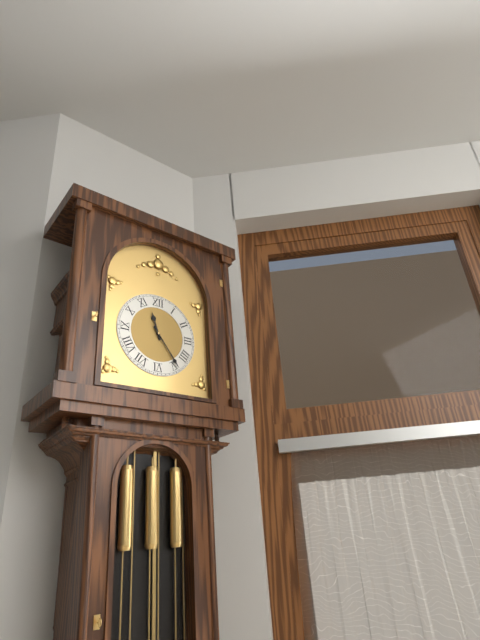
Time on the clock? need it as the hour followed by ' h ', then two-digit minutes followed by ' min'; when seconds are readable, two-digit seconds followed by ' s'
11 h 24 min
